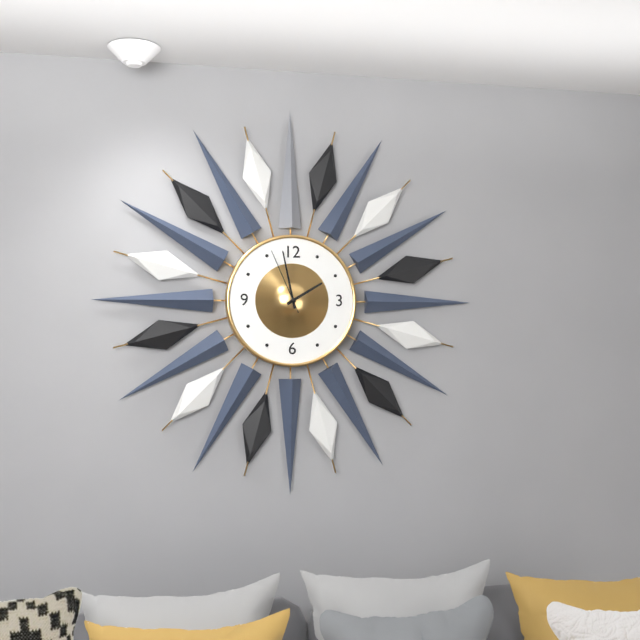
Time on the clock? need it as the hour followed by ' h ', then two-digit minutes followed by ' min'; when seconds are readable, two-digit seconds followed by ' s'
1 h 58 min 56 s
